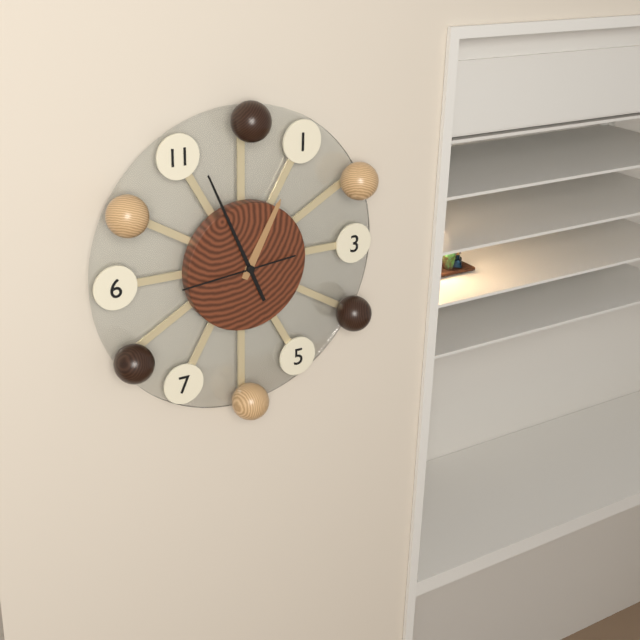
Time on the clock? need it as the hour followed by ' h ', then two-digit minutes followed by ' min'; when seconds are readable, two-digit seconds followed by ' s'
12 h 56 min 44 s
